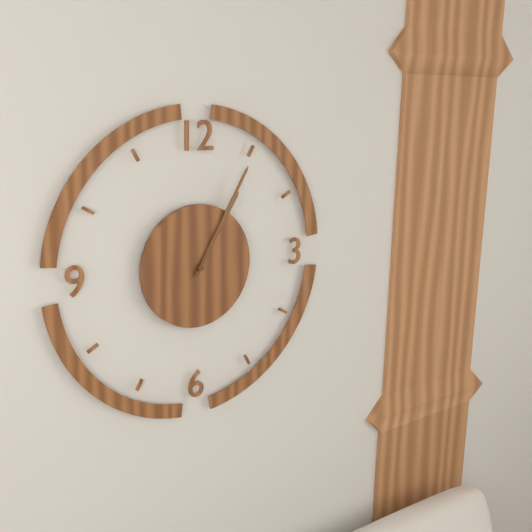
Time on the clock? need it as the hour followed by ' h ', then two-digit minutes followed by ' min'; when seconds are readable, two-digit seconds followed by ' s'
1 h 05 min
